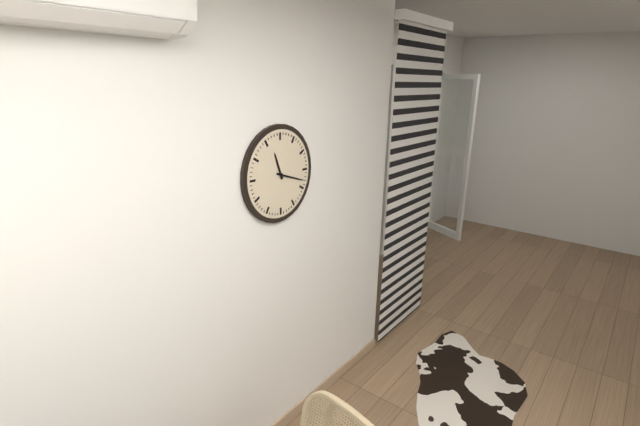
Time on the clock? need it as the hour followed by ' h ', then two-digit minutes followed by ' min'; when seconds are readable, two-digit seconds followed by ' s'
11 h 18 min
